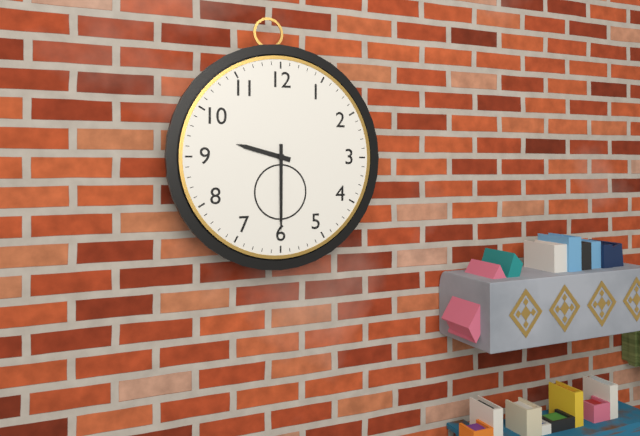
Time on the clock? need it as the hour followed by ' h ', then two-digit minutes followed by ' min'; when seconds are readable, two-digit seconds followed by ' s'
9 h 30 min
